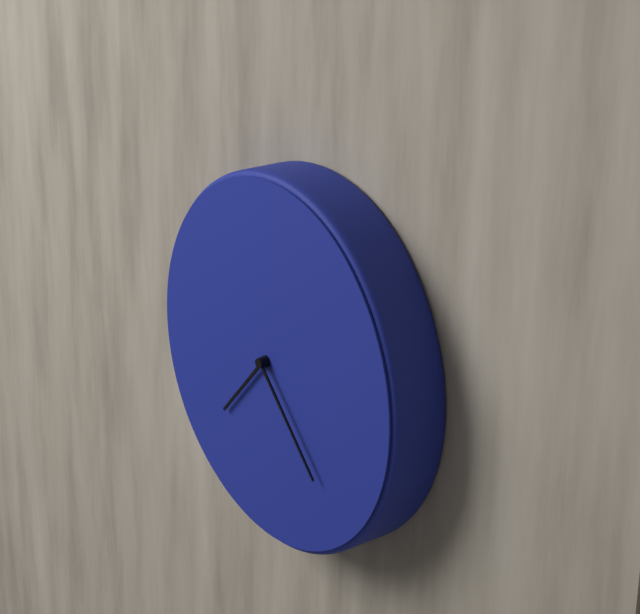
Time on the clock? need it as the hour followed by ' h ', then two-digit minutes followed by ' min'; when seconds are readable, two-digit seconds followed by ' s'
7 h 23 min
